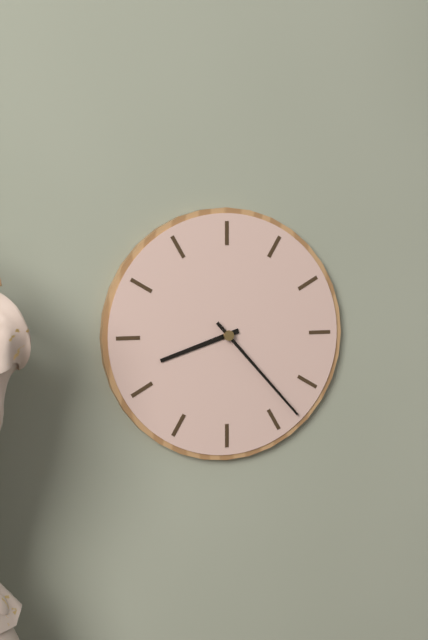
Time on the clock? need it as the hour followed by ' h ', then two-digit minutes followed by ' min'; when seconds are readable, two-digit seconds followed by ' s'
8 h 23 min
